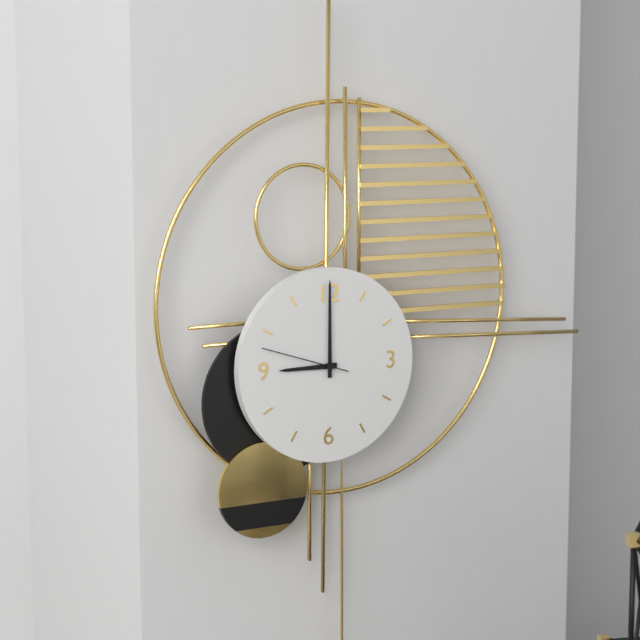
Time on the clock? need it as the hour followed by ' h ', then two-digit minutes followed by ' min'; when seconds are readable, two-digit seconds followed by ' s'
9 h 00 min 48 s
